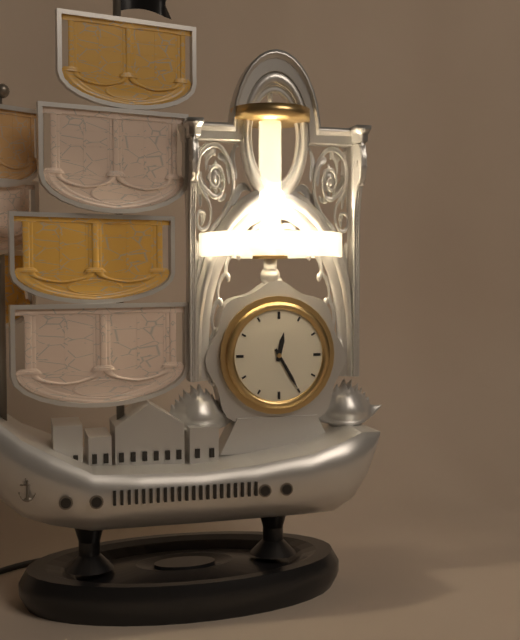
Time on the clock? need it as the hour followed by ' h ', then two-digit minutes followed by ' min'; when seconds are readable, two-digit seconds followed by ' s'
12 h 25 min
